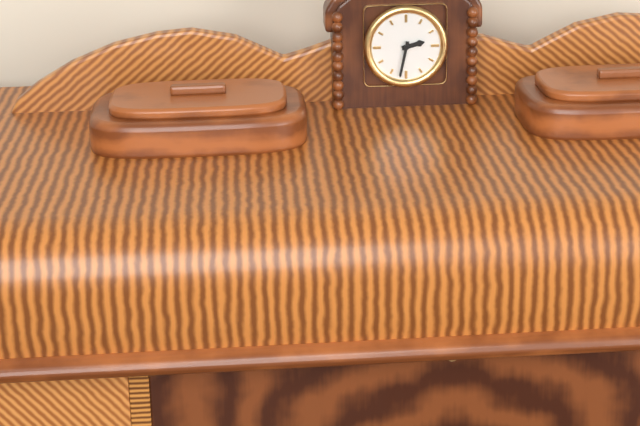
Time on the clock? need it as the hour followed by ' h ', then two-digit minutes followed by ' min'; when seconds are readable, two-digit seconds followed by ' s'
2 h 32 min
